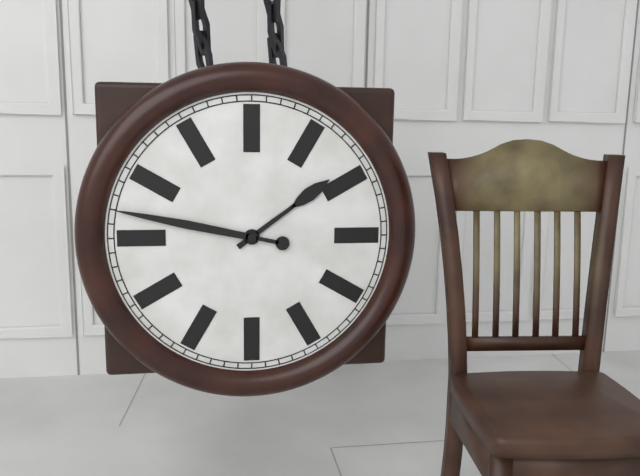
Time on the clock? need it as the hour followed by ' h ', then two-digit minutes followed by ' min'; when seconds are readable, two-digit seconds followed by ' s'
1 h 47 min
